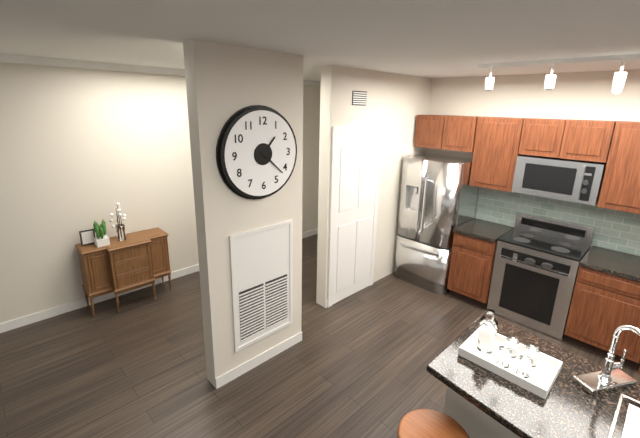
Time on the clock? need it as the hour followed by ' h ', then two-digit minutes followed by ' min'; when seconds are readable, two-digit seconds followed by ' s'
1 h 22 min
